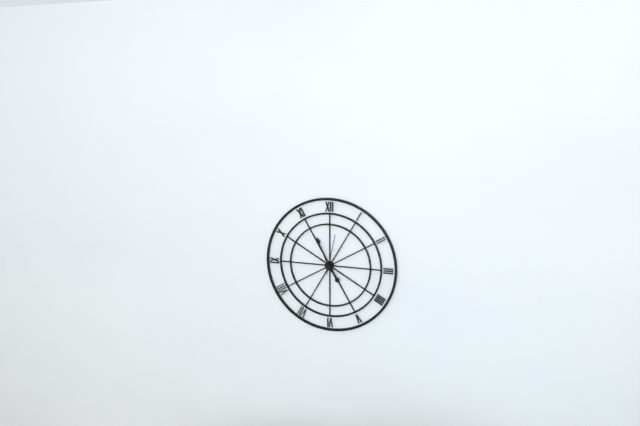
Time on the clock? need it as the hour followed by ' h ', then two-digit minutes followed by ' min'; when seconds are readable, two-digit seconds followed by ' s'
4 h 56 min
